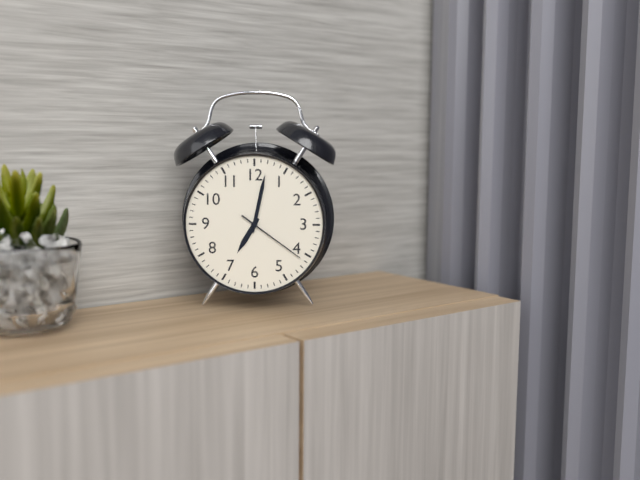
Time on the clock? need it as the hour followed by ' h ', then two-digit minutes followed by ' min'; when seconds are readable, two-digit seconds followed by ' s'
7 h 02 min 21 s
